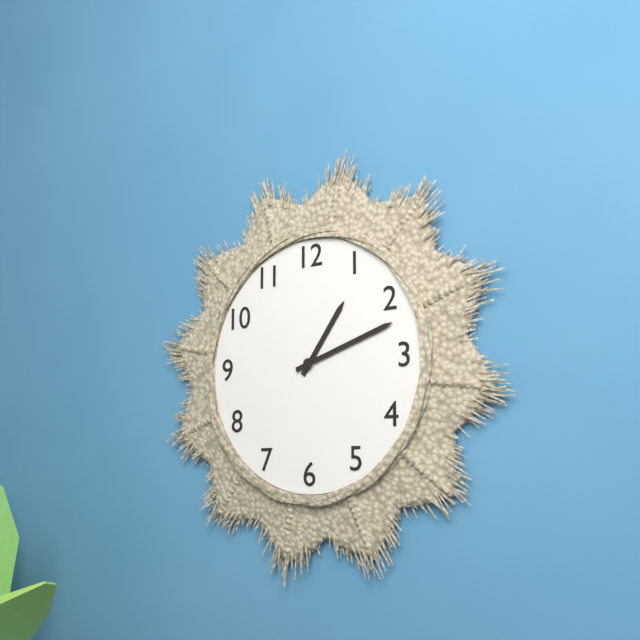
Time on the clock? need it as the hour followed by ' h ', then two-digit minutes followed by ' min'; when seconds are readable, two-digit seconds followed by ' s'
1 h 12 min
